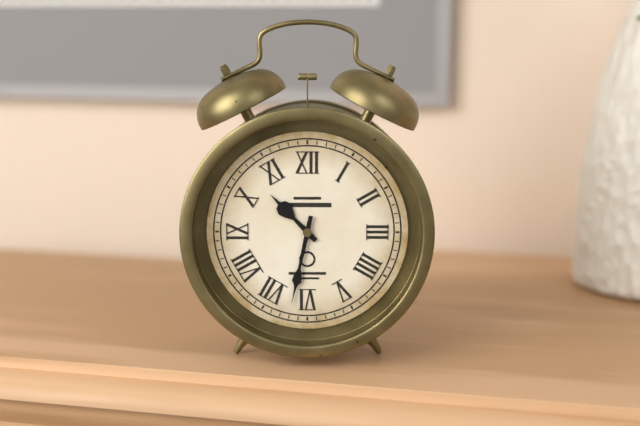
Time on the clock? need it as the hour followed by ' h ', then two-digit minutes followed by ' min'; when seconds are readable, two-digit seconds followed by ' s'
10 h 32 min
